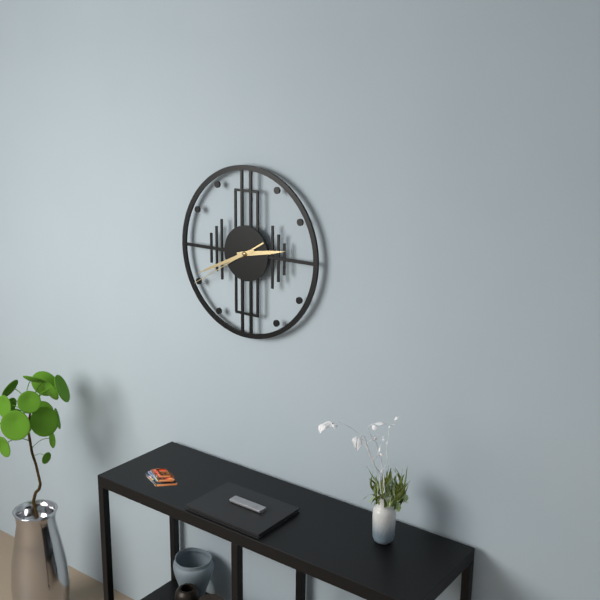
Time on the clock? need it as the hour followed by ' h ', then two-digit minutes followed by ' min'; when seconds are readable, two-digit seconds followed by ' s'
2 h 41 min 40 s
